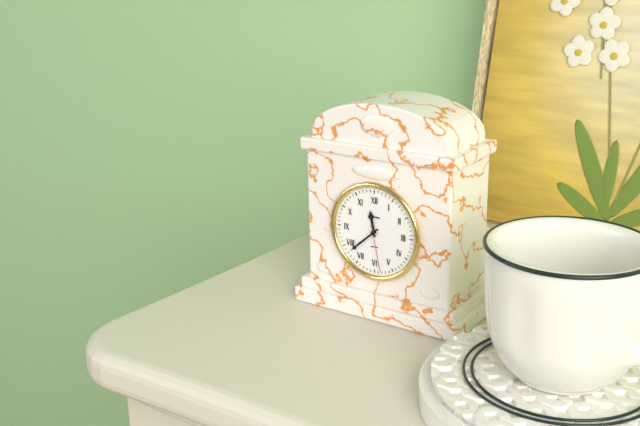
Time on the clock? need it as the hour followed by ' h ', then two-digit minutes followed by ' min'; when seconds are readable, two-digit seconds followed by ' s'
11 h 38 min 28 s
